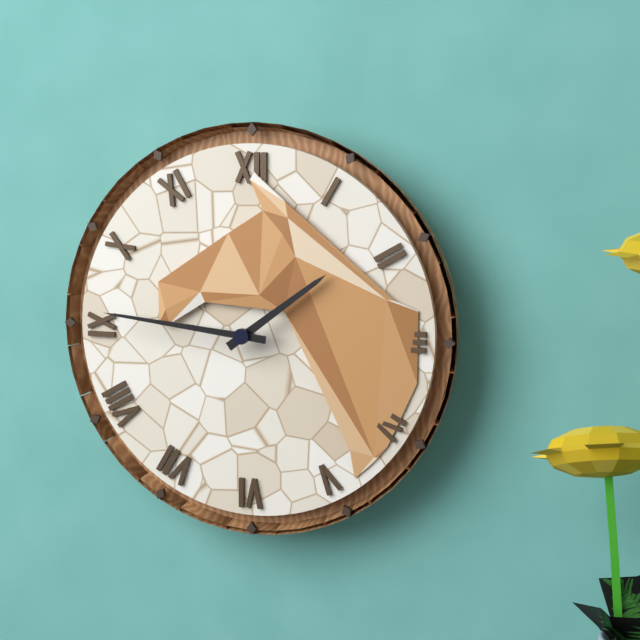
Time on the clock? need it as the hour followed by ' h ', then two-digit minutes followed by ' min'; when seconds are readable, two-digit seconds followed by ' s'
1 h 46 min
